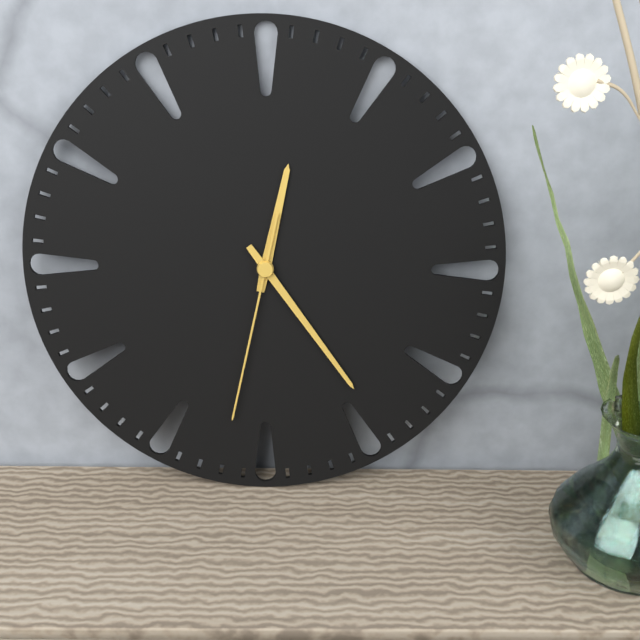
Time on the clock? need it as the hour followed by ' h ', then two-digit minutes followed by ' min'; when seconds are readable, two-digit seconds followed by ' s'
12 h 24 min 32 s
